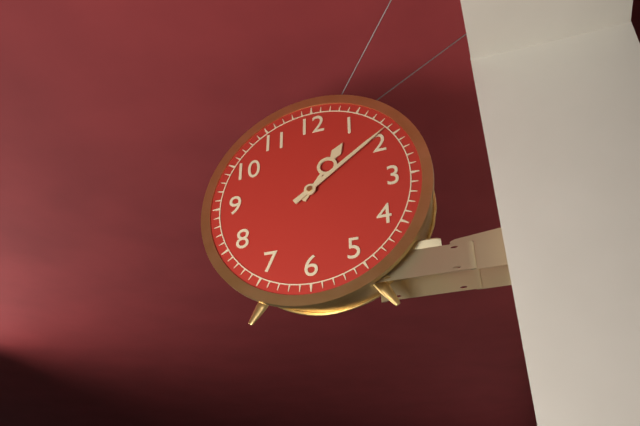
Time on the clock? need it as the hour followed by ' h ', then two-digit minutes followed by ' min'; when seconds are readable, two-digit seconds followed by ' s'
1 h 09 min
